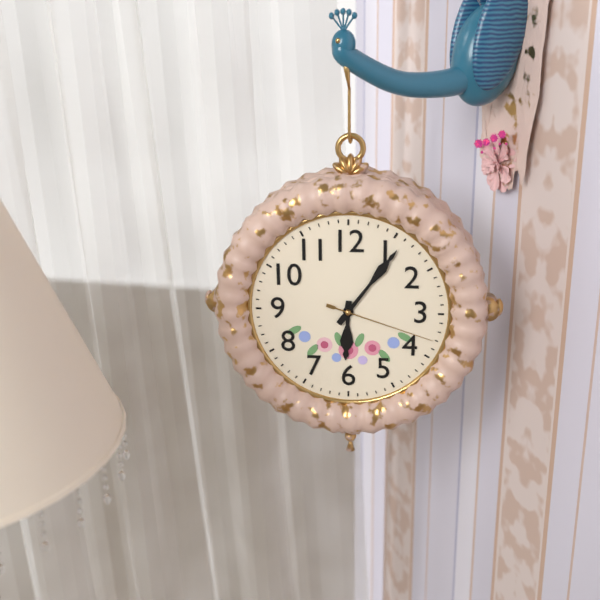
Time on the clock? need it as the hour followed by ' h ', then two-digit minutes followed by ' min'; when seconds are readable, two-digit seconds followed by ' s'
6 h 06 min 18 s
